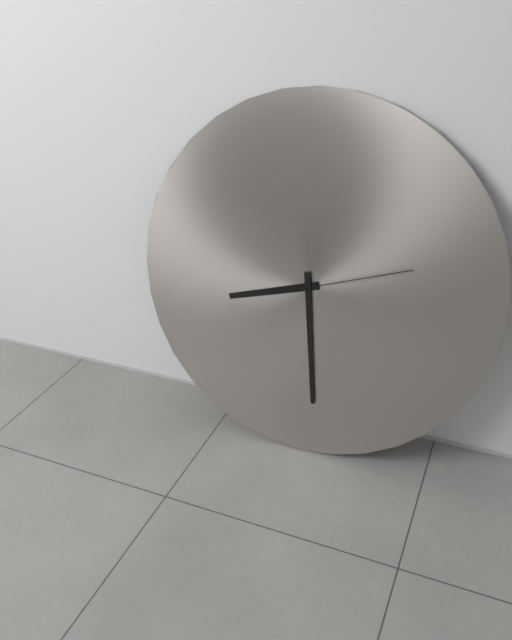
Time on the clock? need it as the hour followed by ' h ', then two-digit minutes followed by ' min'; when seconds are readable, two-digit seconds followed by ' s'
8 h 29 min 12 s
